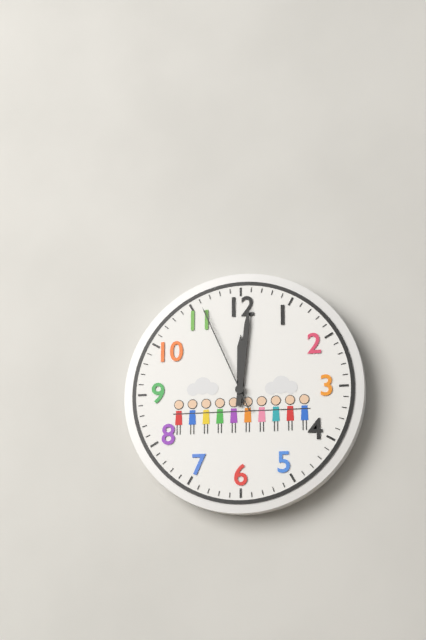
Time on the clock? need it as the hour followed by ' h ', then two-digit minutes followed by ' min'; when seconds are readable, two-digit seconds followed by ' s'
12 h 01 min 56 s
